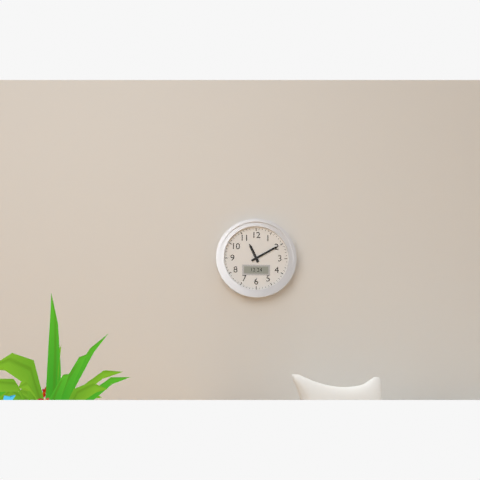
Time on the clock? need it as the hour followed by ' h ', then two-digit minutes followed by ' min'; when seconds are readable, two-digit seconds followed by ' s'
11 h 10 min
